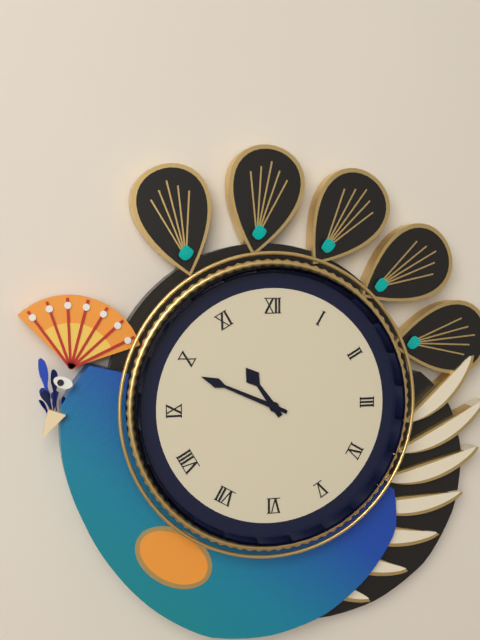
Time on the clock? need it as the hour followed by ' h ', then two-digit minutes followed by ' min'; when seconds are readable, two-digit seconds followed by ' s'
10 h 49 min
